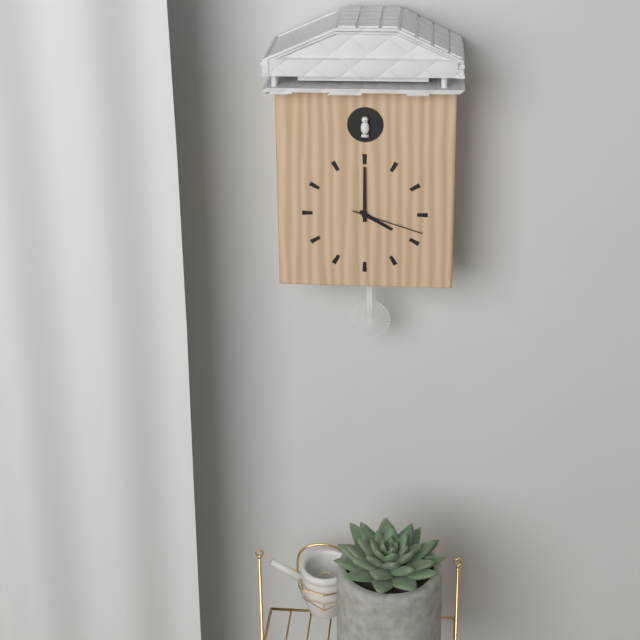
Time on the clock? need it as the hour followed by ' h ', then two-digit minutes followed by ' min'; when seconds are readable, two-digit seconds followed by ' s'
4 h 00 min 18 s
